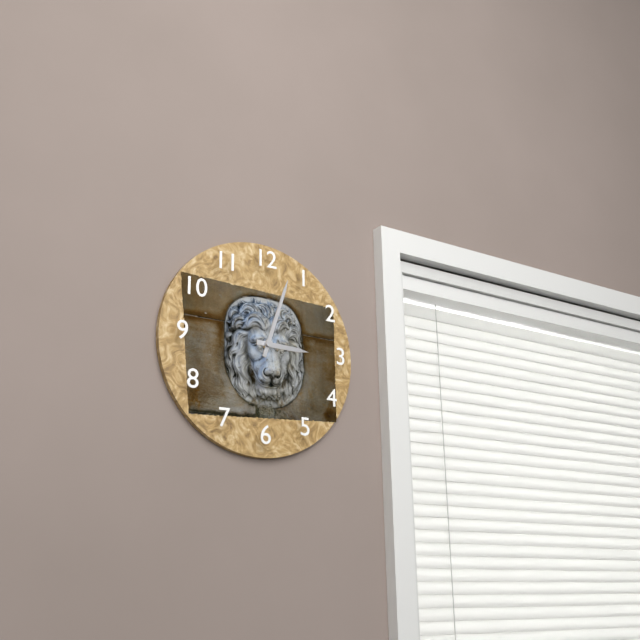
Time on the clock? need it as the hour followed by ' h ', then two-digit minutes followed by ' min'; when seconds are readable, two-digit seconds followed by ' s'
3 h 03 min
